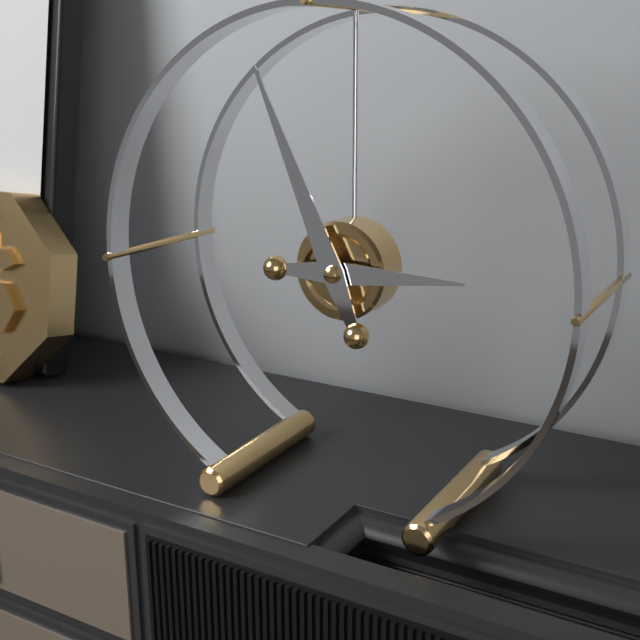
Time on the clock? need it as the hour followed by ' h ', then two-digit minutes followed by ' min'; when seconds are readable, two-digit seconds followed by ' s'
2 h 56 min
